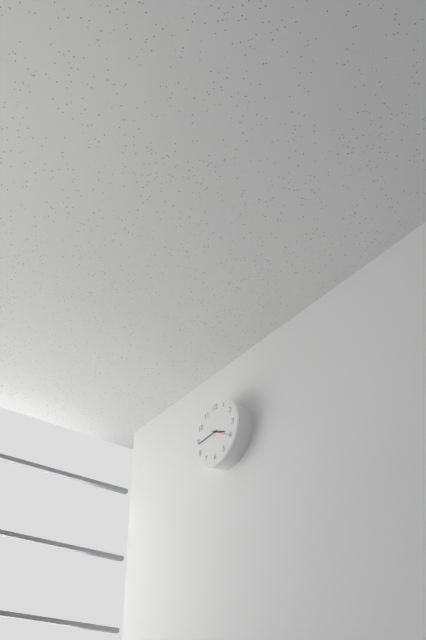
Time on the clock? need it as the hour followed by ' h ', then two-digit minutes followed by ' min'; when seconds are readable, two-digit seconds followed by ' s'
3 h 44 min
